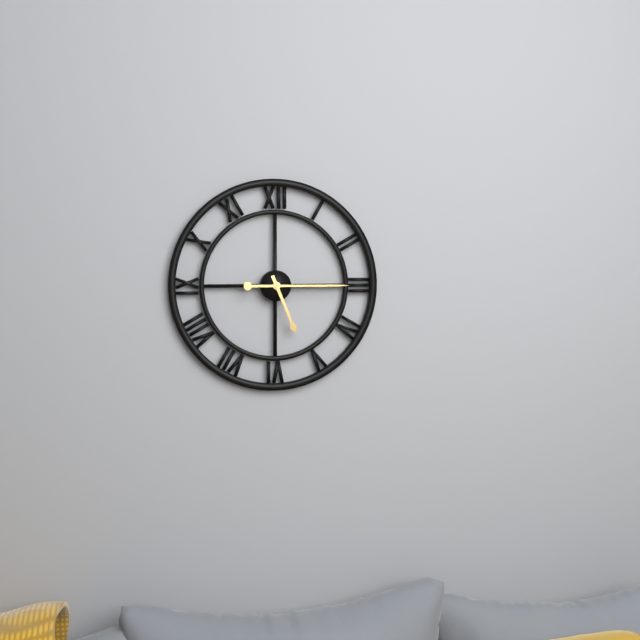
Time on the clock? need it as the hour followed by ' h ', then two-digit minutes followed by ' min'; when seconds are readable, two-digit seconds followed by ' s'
5 h 15 min
